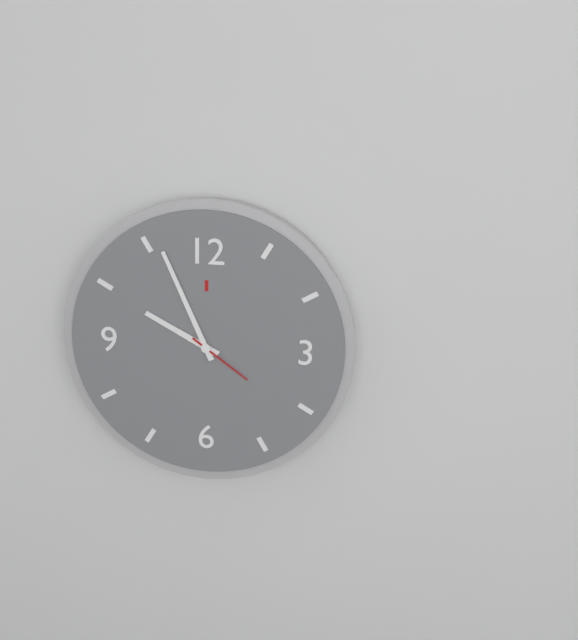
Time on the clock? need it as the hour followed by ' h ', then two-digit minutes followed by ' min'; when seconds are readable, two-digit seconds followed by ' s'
9 h 56 min 21 s
